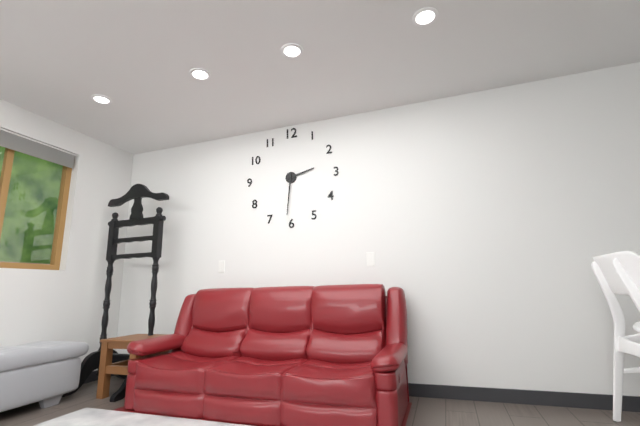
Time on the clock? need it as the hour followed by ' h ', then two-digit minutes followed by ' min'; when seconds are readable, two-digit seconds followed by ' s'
2 h 31 min
